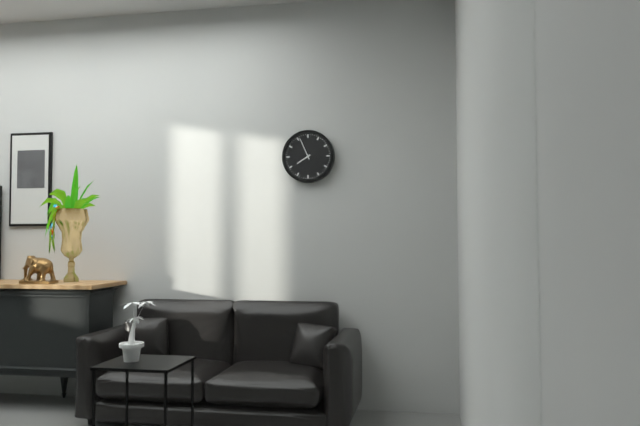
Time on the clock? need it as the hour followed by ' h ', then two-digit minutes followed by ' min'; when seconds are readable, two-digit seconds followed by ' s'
7 h 56 min
